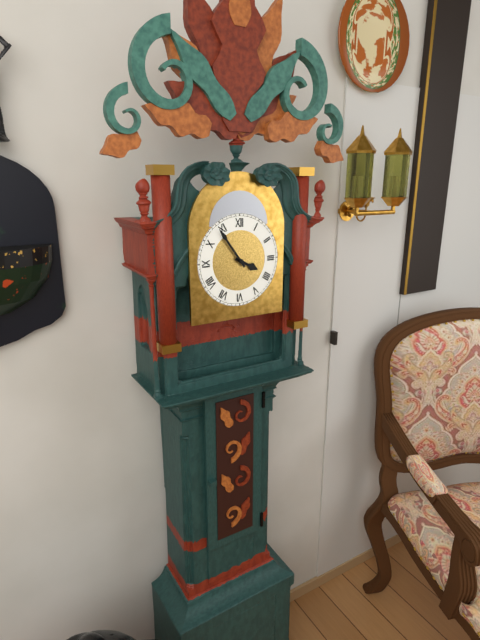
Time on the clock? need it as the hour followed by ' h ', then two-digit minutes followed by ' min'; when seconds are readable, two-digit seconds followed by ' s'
3 h 54 min
